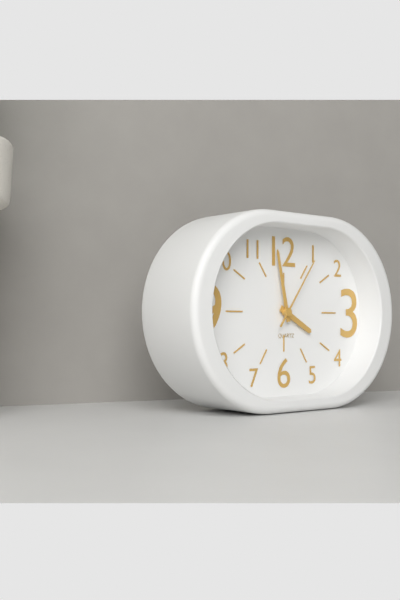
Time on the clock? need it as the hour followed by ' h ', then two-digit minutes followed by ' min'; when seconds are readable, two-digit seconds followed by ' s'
3 h 58 min 06 s
